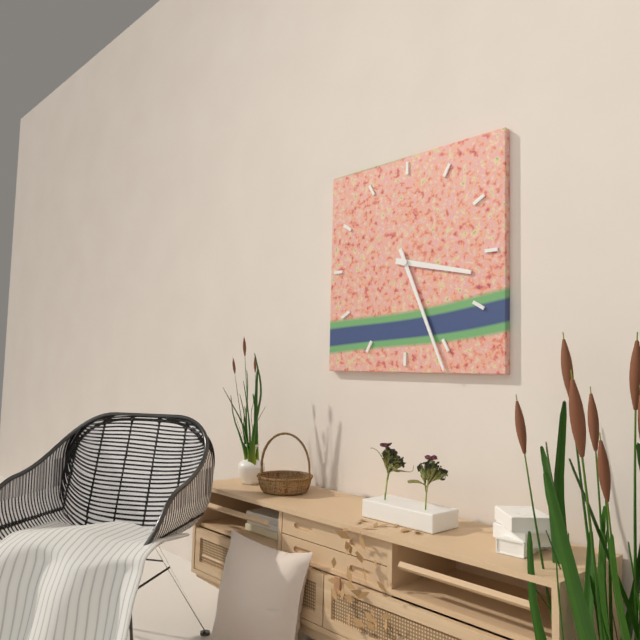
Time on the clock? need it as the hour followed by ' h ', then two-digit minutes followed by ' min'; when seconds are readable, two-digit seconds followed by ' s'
3 h 26 min
